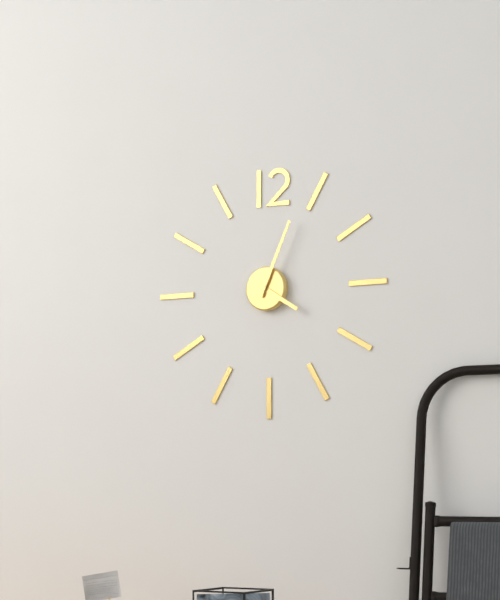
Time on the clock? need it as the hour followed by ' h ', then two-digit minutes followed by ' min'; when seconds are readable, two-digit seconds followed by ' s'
4 h 04 min
